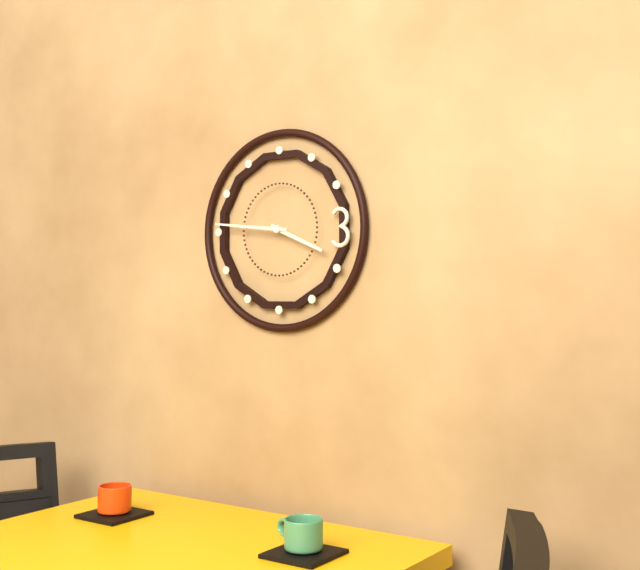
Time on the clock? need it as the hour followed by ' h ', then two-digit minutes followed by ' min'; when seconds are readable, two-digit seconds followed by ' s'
3 h 46 min
